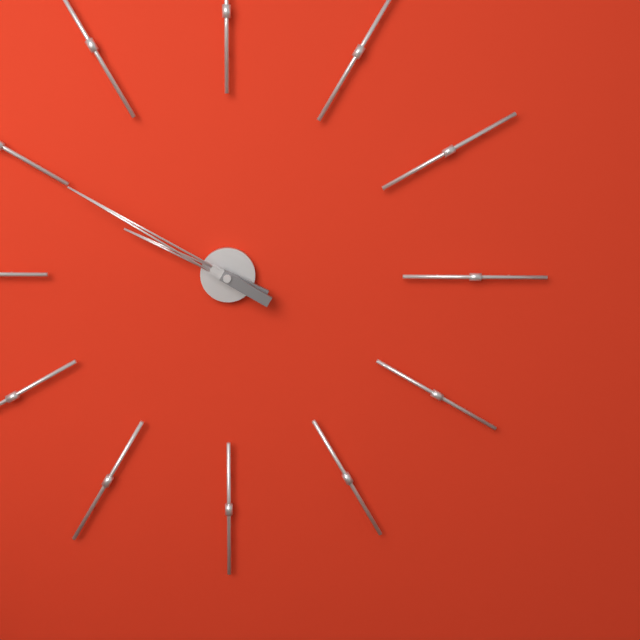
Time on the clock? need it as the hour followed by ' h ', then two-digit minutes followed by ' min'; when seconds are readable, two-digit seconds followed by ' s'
9 h 50 min
